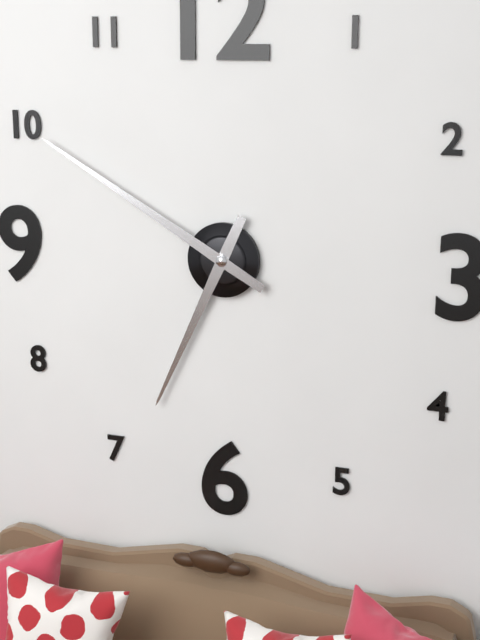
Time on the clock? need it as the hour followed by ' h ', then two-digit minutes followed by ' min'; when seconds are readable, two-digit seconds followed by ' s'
6 h 50 min
